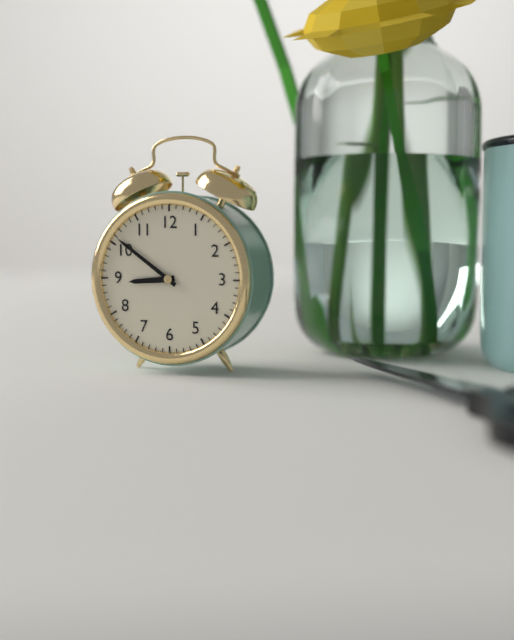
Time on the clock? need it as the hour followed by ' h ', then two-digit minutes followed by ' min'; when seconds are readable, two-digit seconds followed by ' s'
8 h 51 min
